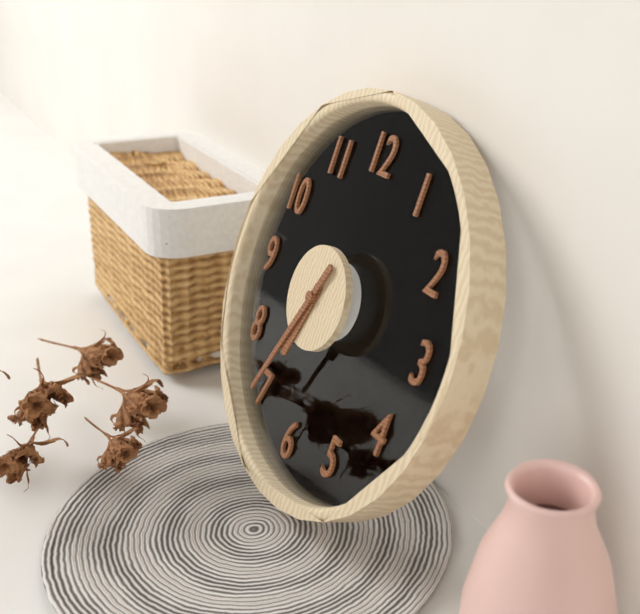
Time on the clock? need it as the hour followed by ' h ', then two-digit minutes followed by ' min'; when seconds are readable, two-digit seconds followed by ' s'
6 h 34 min
